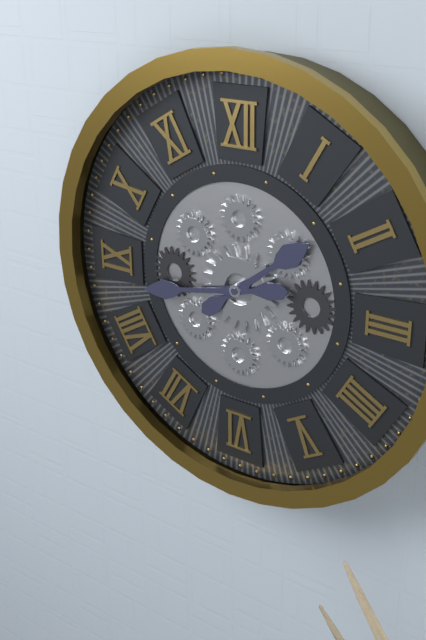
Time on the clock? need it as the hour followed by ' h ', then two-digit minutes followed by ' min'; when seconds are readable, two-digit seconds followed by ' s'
1 h 43 min
